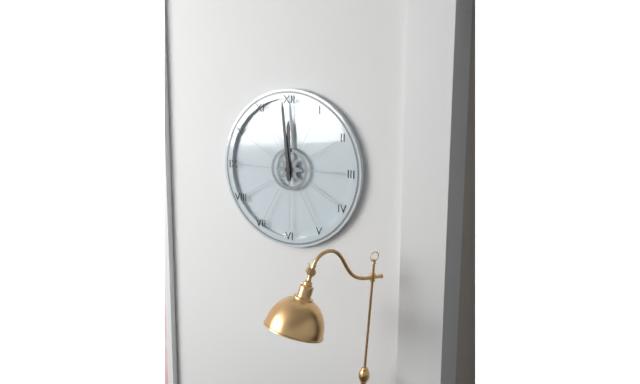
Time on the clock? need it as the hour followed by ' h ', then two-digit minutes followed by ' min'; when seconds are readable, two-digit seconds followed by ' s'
11 h 59 min
